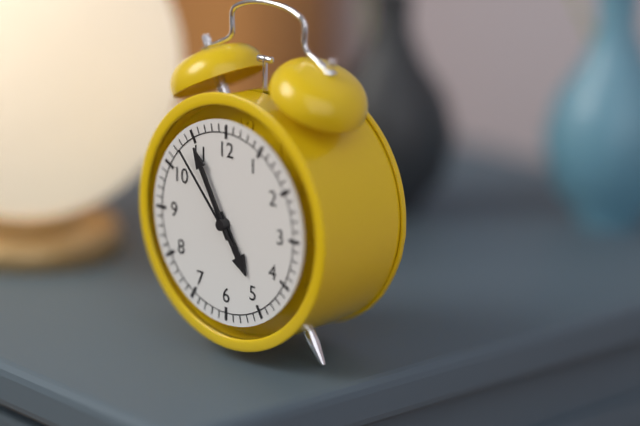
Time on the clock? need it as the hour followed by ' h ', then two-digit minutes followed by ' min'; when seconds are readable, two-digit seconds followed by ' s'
4 h 55 min 53 s
